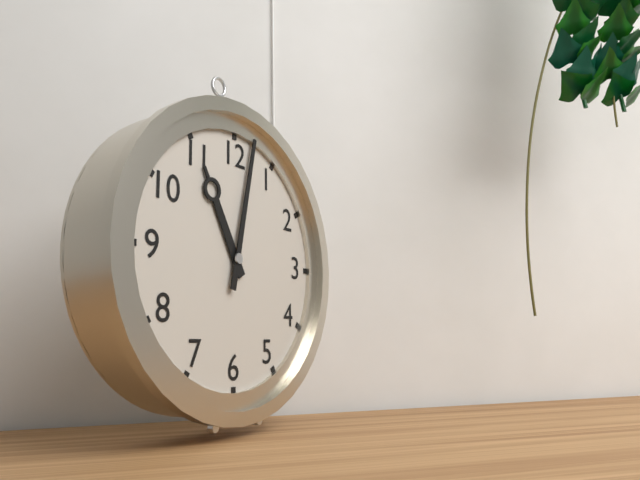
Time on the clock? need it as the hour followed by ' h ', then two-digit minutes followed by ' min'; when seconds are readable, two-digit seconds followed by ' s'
11 h 02 min
